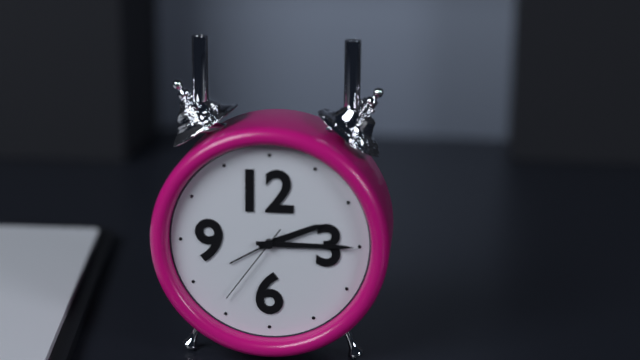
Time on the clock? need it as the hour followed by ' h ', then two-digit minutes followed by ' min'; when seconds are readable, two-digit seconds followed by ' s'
2 h 15 min 36 s
